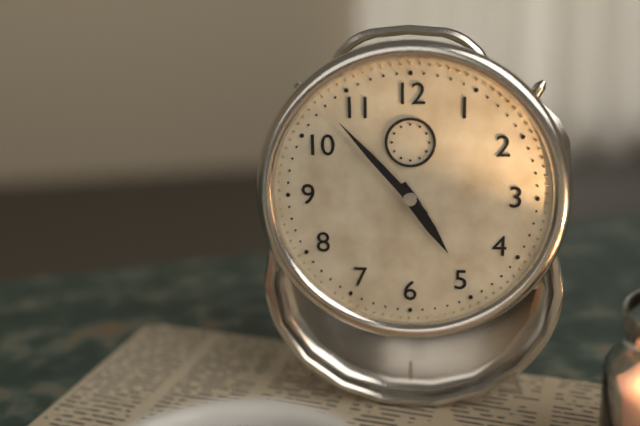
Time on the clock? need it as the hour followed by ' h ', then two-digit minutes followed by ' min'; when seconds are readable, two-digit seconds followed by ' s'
4 h 53 min
